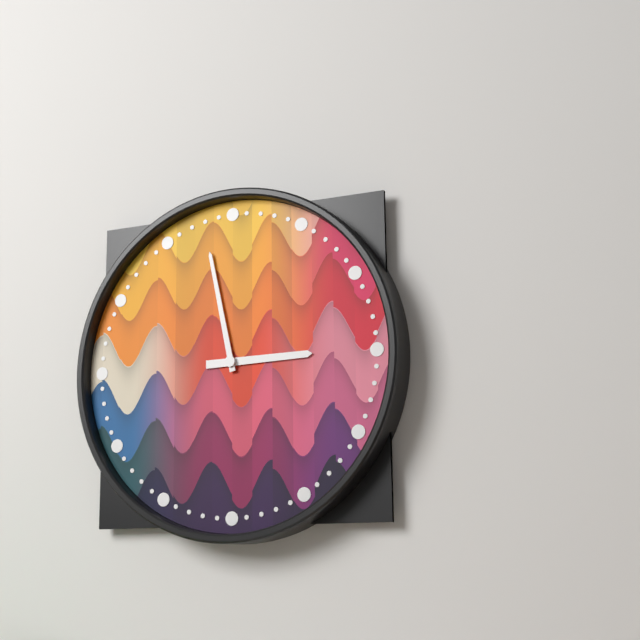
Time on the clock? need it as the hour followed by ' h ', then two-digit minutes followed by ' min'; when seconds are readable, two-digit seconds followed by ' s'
2 h 58 min
